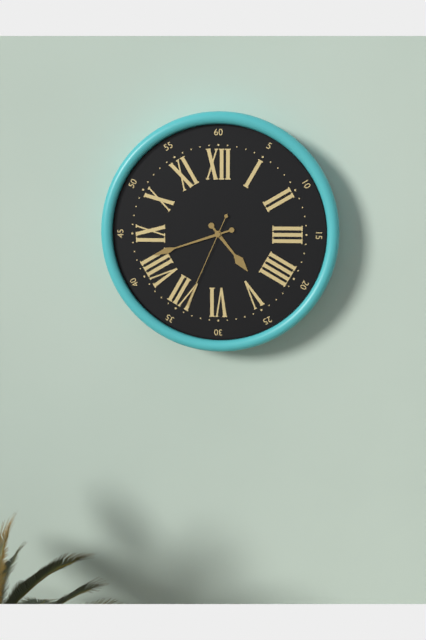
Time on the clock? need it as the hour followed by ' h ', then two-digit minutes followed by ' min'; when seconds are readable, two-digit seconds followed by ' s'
4 h 42 min 34 s
